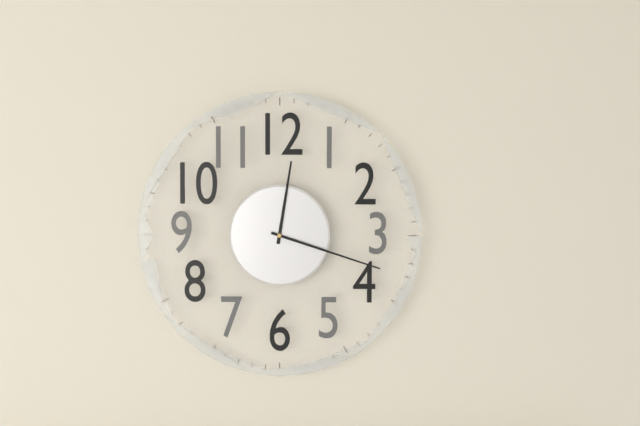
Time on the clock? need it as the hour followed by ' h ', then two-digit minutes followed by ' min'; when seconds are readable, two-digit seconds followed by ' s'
12 h 18 min
